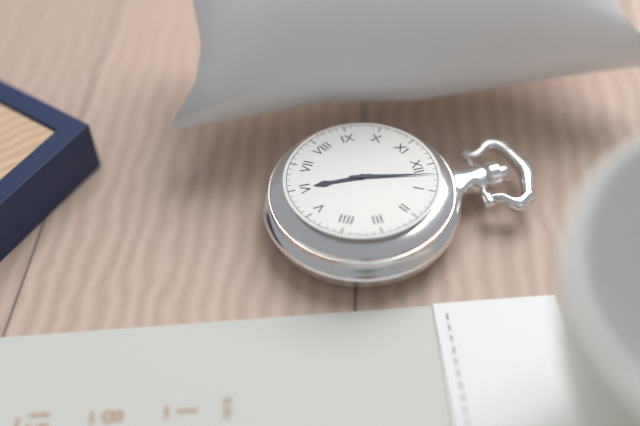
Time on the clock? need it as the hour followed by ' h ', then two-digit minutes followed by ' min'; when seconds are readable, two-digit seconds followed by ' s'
6 h 02 min
